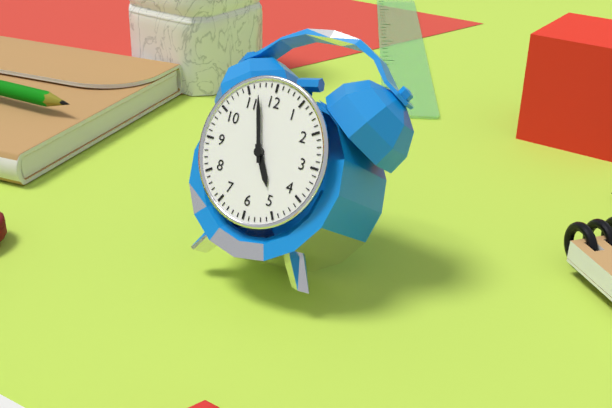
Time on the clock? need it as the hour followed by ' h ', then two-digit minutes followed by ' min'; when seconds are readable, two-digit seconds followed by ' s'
4 h 57 min
